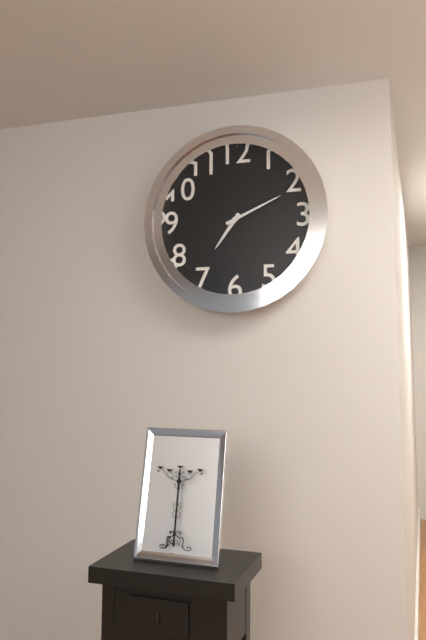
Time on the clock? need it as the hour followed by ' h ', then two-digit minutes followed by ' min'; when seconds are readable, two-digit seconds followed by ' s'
7 h 11 min
